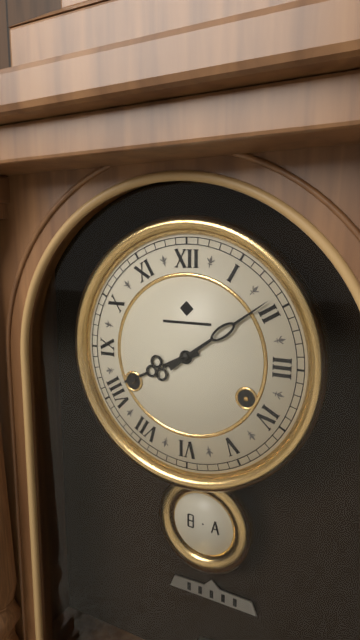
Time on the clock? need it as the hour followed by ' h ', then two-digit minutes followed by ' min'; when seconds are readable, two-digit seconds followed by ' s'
8 h 09 min
